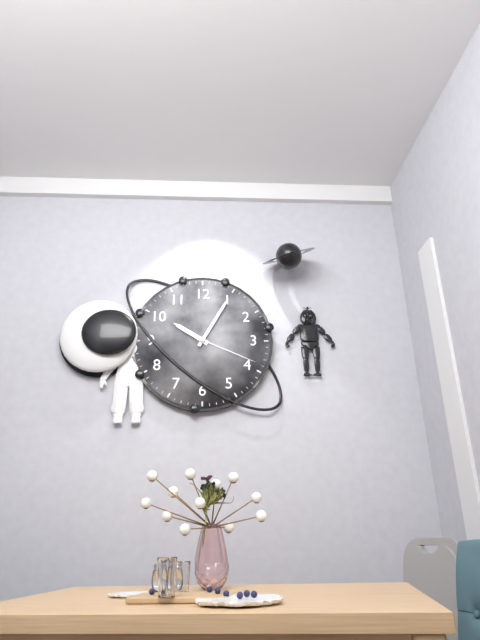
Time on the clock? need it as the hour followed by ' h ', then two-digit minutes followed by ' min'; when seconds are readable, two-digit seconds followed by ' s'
10 h 05 min 19 s
